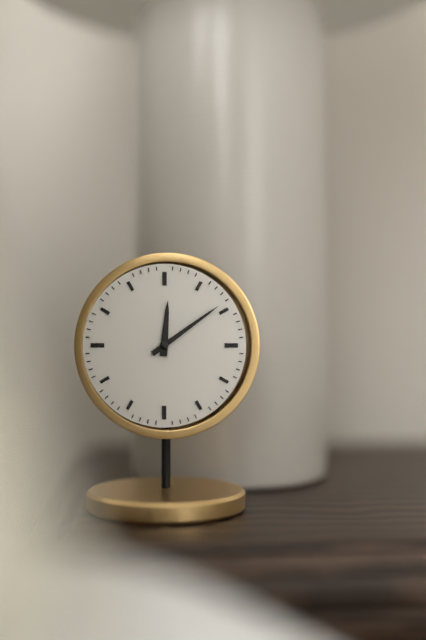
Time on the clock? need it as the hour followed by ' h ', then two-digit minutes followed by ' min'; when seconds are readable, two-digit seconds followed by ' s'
12 h 09 min
